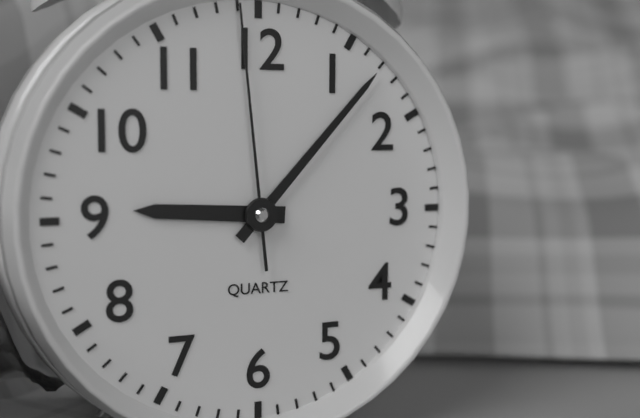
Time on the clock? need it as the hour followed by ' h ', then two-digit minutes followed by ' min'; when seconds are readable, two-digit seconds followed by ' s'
9 h 07 min 59 s
